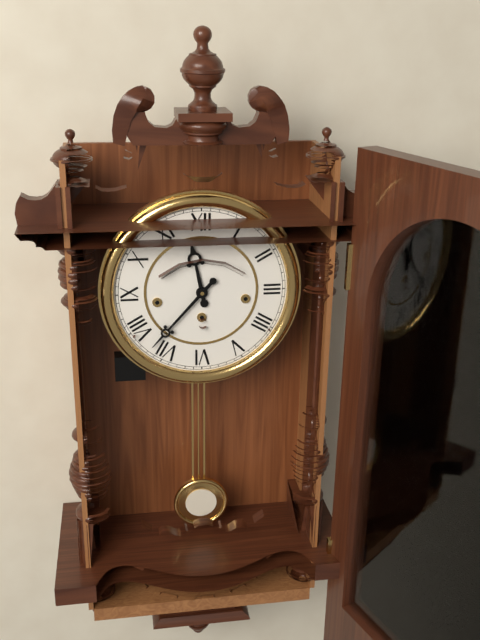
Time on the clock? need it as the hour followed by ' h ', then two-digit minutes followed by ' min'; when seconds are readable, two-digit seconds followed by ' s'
11 h 37 min
